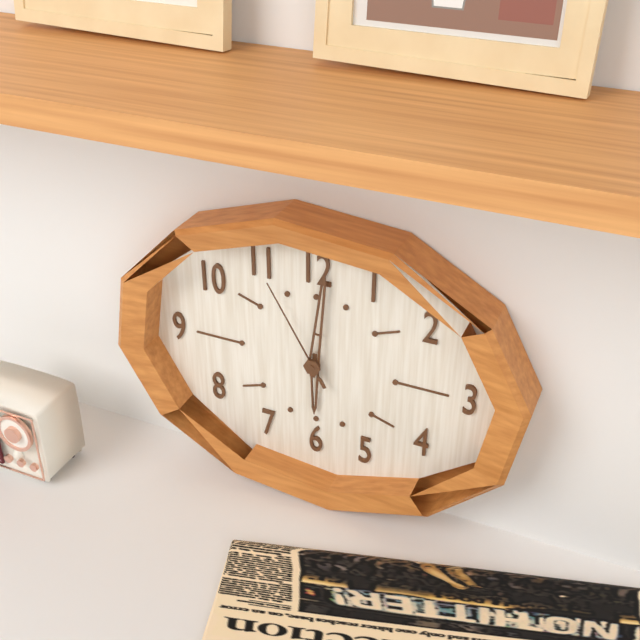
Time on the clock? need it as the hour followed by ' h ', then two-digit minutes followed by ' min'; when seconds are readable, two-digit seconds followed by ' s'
6 h 01 min 55 s
